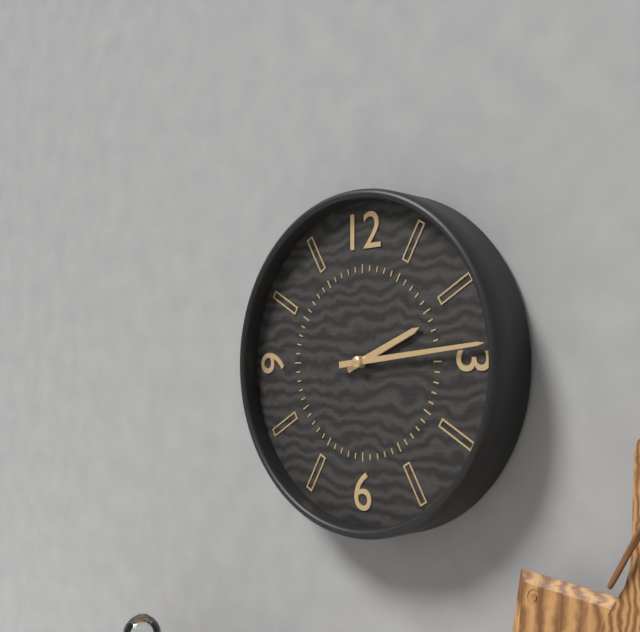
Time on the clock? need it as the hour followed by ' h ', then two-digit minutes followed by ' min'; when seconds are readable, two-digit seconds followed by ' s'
2 h 14 min
